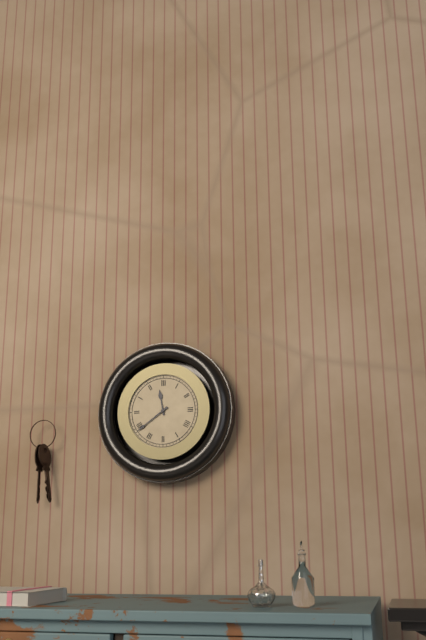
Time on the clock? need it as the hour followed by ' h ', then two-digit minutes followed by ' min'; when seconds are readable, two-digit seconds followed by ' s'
11 h 39 min
